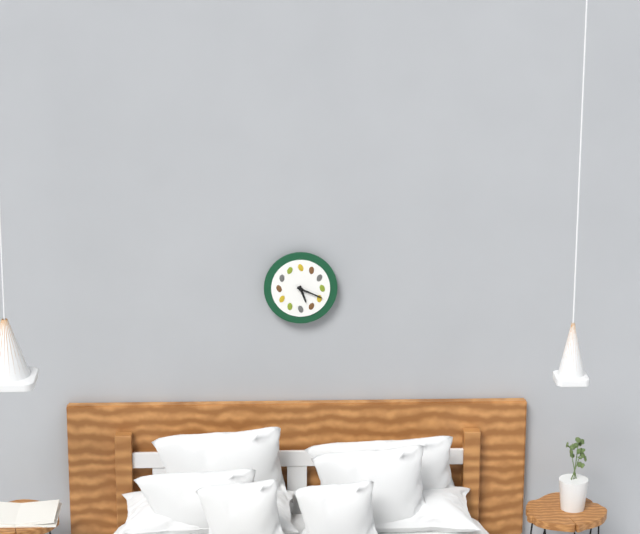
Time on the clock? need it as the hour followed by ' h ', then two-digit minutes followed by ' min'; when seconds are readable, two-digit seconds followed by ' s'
5 h 19 min
